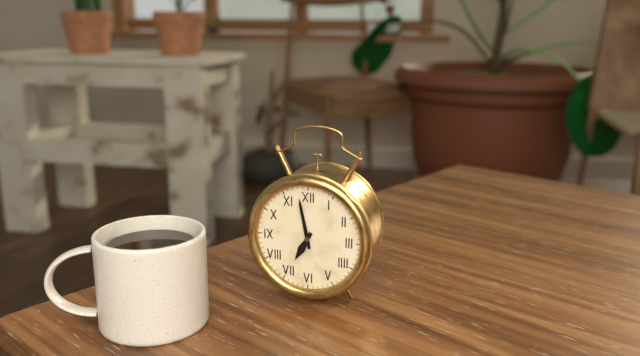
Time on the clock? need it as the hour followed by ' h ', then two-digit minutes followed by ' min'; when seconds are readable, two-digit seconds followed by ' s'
6 h 58 min
